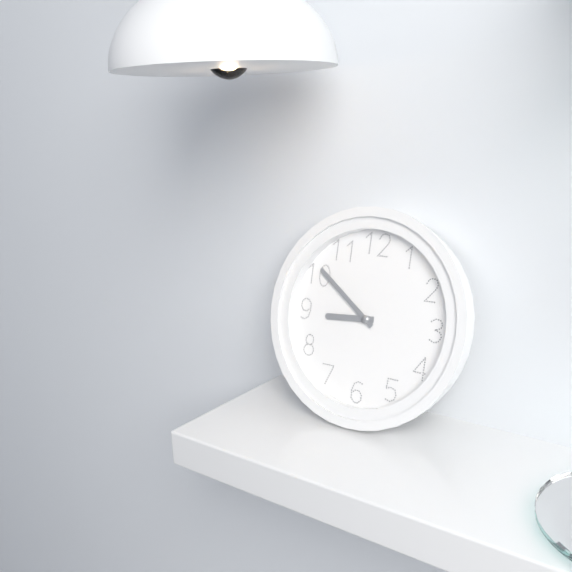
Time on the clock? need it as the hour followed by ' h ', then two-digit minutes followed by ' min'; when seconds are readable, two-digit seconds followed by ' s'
8 h 51 min
